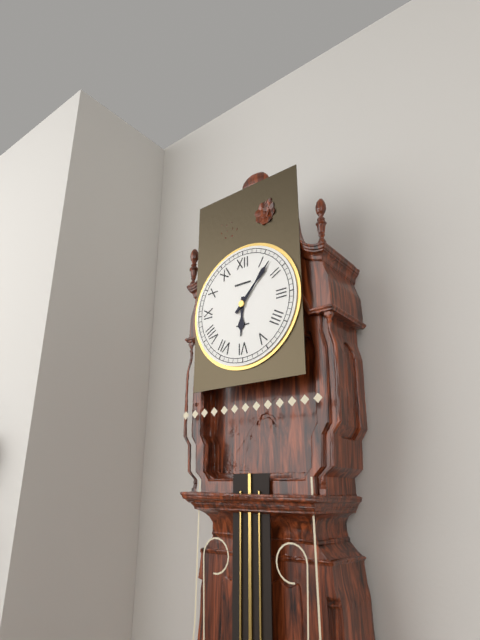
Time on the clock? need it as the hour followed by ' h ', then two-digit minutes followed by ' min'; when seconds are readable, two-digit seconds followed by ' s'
6 h 07 min
